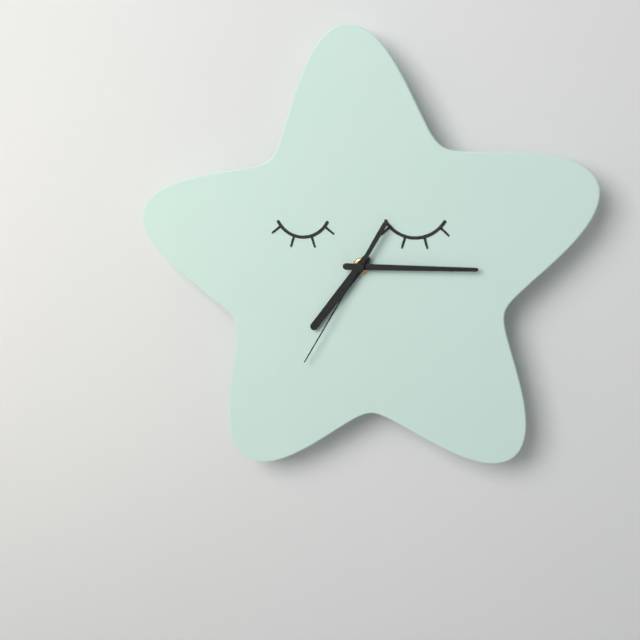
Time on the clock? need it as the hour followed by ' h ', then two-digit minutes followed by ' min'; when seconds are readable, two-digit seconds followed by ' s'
7 h 15 min 35 s
